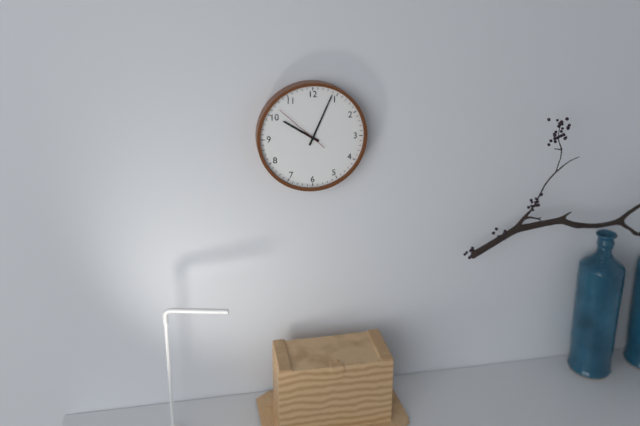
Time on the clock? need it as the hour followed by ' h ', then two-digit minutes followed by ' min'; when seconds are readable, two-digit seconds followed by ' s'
10 h 04 min
